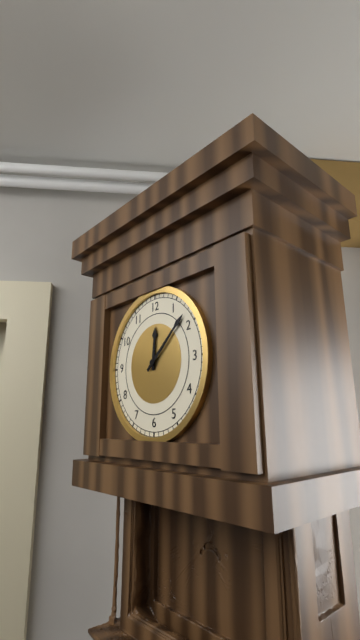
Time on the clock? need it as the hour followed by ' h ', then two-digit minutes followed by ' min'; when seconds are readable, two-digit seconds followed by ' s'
12 h 08 min
